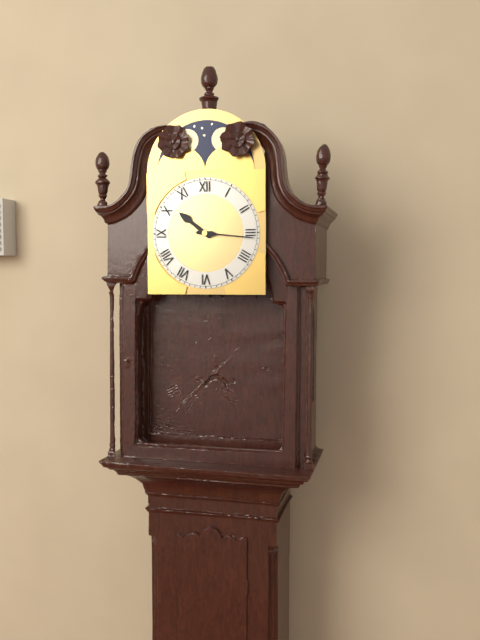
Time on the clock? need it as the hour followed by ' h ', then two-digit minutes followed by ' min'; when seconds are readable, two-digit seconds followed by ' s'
10 h 16 min
